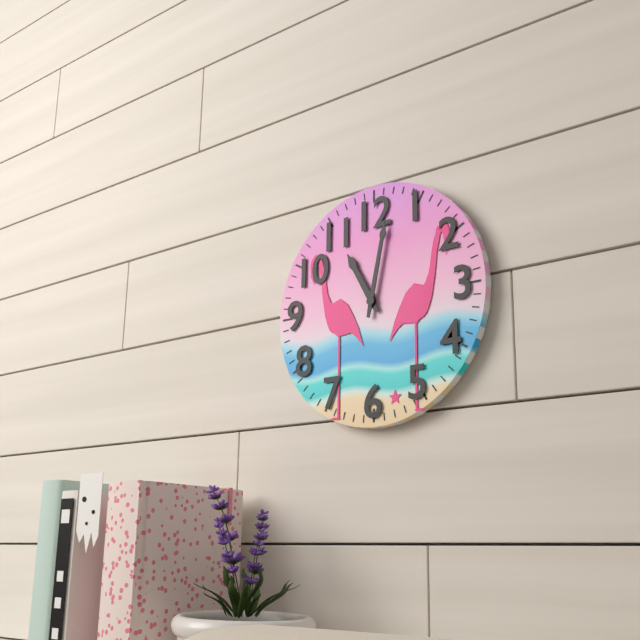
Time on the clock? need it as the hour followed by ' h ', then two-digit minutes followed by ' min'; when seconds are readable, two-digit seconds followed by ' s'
11 h 02 min
